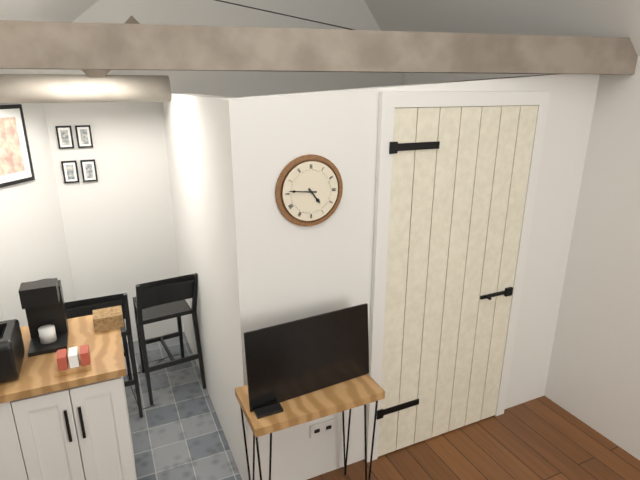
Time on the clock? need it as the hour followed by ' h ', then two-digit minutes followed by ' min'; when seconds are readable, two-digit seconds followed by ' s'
4 h 46 min
